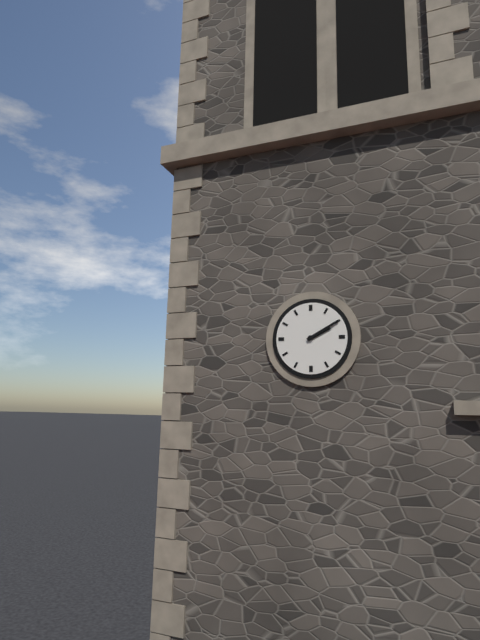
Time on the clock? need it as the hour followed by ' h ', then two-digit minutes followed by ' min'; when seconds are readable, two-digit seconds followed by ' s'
2 h 10 min
